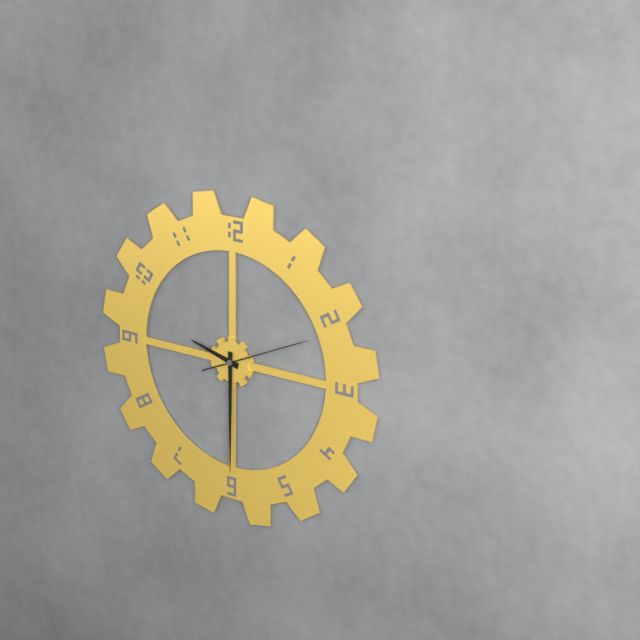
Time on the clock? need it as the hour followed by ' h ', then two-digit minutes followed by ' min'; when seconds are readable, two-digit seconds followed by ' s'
9 h 30 min 11 s
